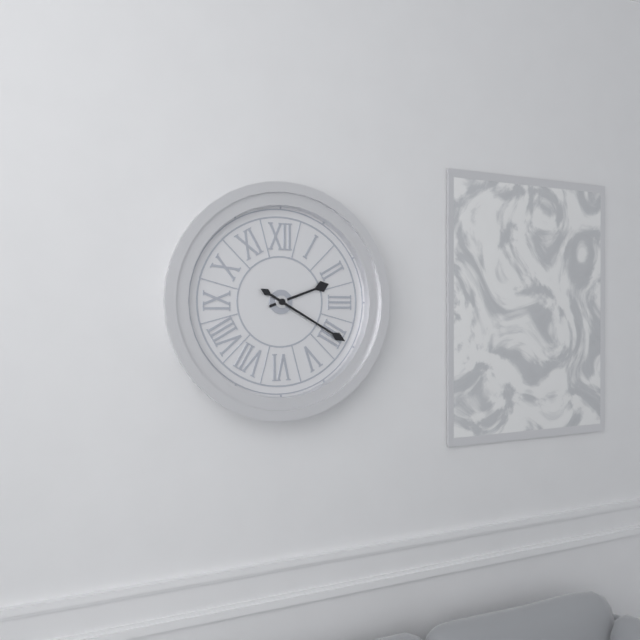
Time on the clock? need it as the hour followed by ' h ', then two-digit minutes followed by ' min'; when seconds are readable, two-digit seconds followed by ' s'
2 h 20 min
